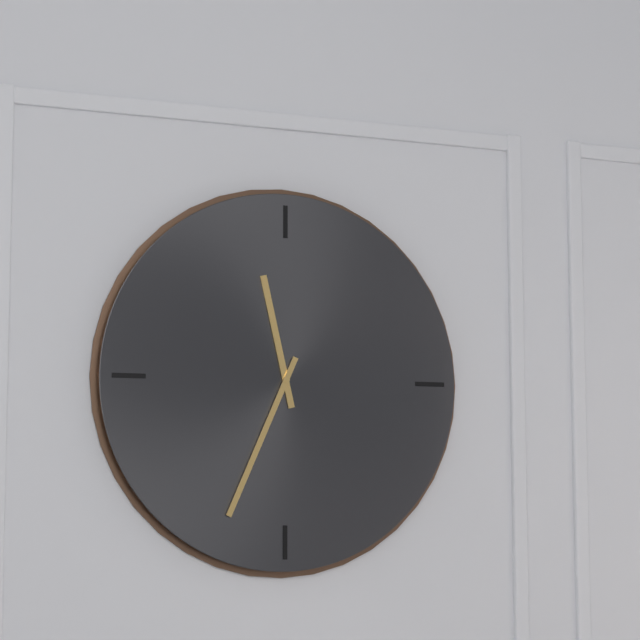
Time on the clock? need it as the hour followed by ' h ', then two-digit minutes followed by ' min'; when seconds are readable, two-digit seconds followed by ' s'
11 h 34 min
